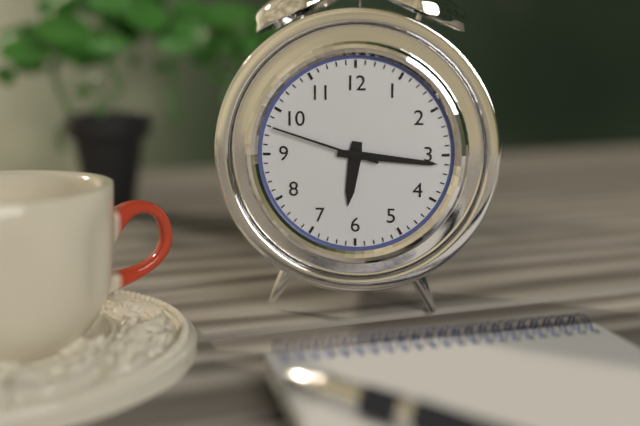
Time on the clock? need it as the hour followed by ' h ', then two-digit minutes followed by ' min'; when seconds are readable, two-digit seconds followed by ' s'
6 h 16 min 48 s
